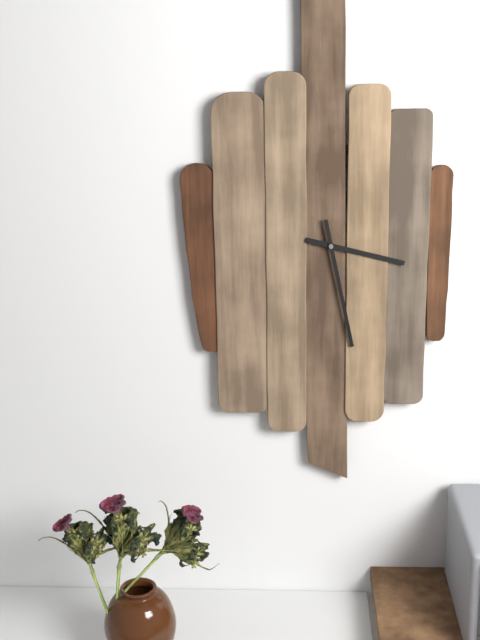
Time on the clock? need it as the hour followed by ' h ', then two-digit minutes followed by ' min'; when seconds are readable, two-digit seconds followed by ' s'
3 h 28 min
